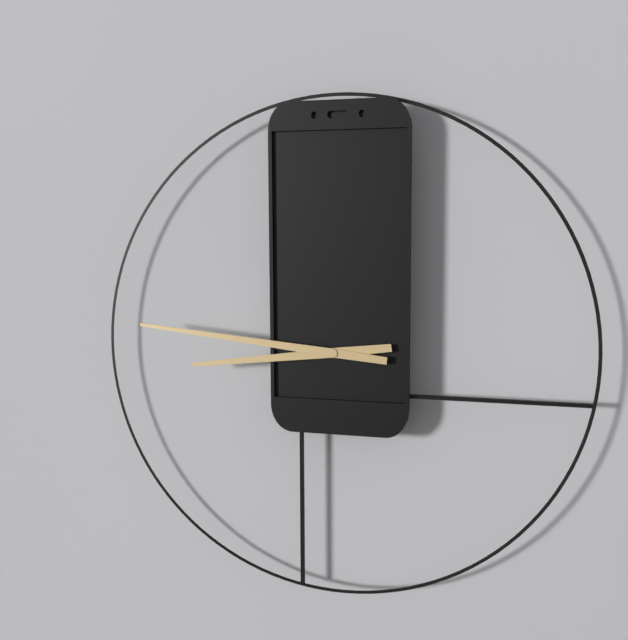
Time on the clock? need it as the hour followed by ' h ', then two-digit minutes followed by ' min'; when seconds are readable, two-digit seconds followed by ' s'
8 h 46 min
